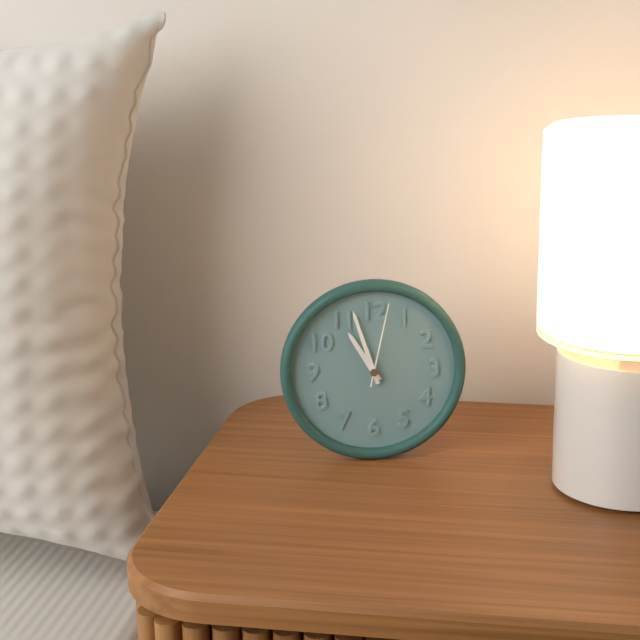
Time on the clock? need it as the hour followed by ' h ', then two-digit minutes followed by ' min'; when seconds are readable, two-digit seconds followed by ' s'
10 h 57 min 02 s
